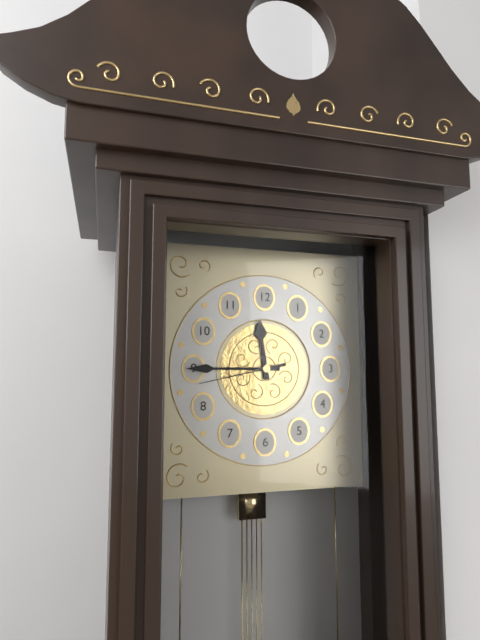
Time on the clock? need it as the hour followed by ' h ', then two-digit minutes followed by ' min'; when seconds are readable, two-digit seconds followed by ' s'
11 h 45 min 43 s
